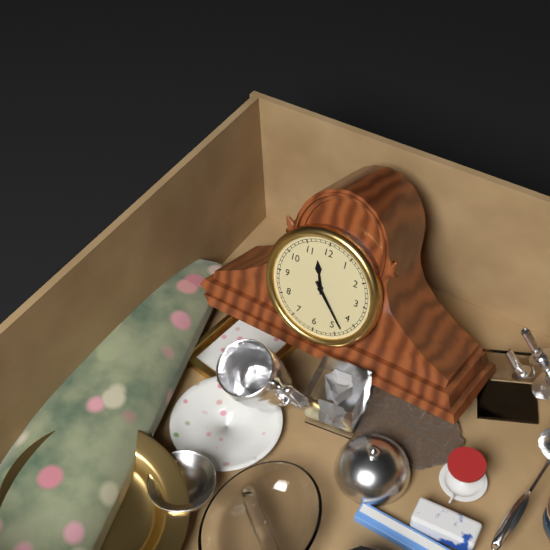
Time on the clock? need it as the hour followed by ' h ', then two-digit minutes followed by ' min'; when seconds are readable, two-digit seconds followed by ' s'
11 h 23 min
